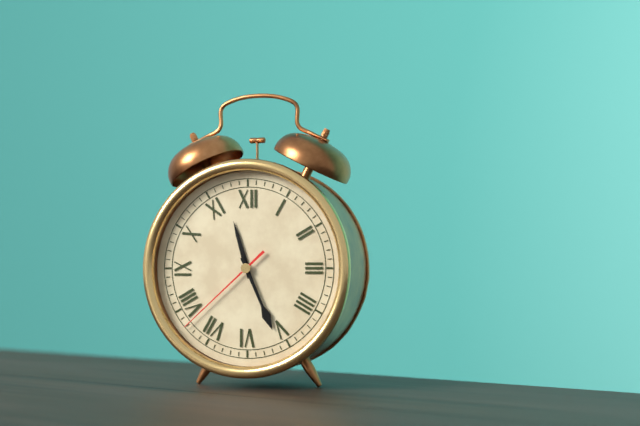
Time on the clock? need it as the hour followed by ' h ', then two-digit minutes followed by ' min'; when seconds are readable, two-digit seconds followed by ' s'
11 h 26 min 38 s
